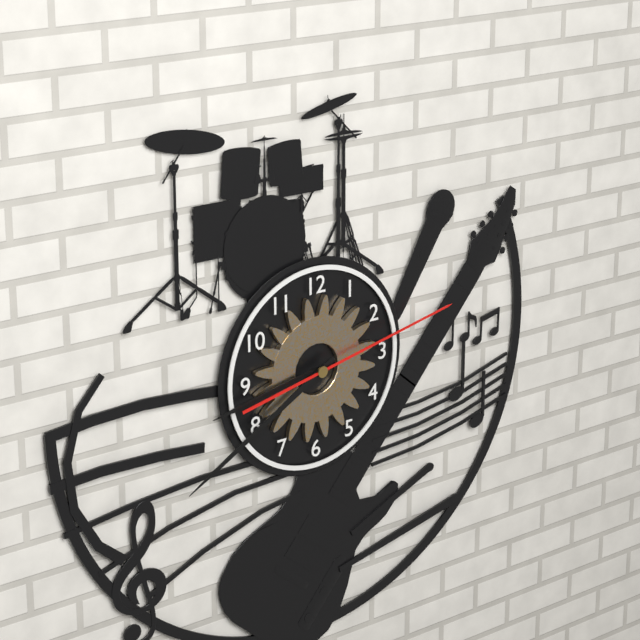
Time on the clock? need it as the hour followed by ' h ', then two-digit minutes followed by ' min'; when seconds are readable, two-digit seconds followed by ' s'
8 h 40 min 13 s
